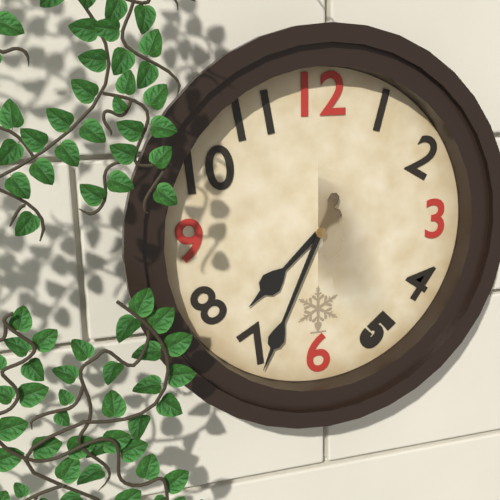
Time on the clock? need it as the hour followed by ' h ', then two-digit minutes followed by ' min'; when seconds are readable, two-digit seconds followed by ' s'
7 h 34 min
